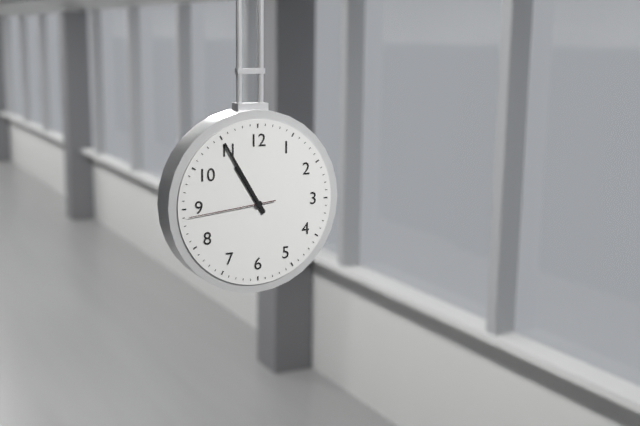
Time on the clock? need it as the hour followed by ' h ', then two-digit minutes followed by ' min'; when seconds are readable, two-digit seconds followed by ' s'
10 h 55 min 44 s
